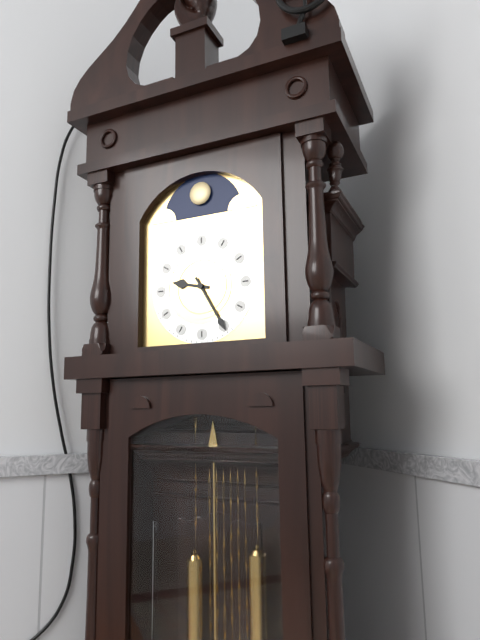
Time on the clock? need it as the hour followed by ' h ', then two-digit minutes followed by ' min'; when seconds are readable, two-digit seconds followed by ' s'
9 h 25 min
